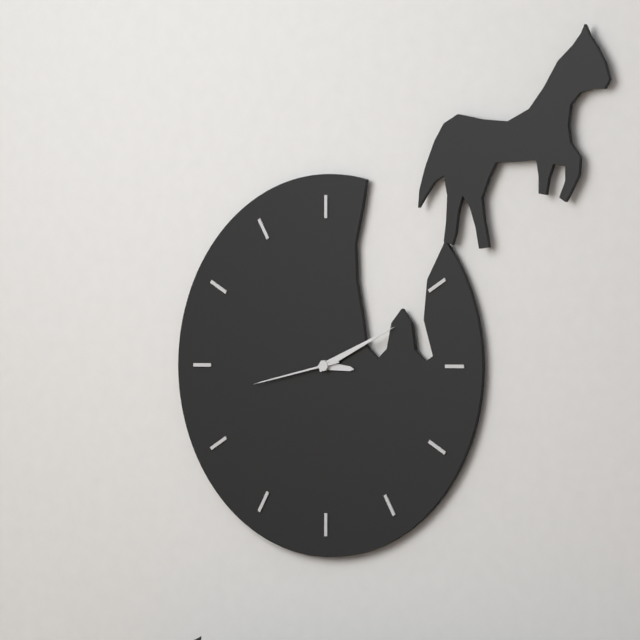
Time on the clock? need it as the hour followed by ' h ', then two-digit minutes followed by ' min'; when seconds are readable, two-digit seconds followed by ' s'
3 h 11 min 43 s
